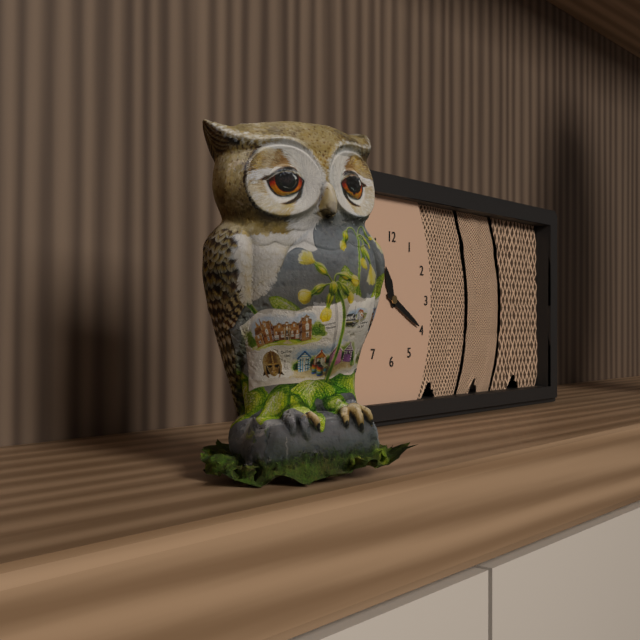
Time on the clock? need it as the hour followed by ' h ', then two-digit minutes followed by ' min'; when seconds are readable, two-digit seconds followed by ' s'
11 h 20 min
